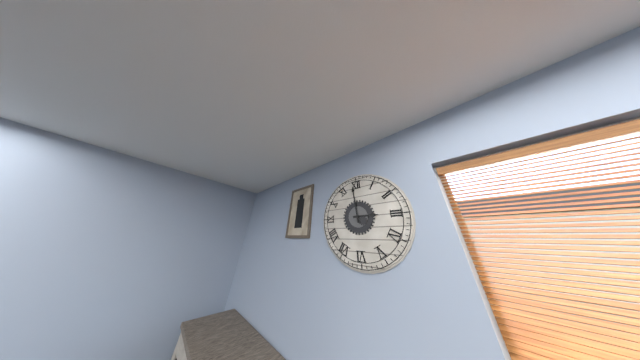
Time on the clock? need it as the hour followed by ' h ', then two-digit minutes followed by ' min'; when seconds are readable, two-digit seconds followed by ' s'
2 h 59 min
